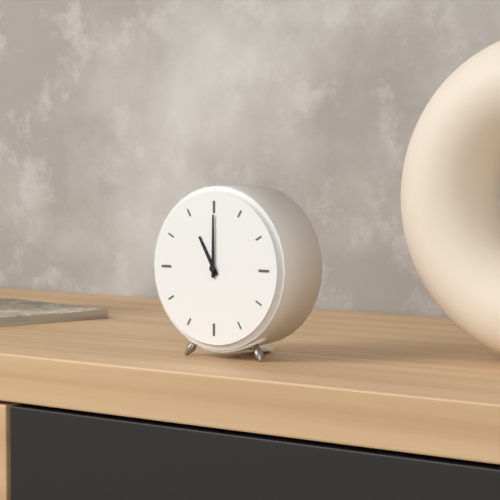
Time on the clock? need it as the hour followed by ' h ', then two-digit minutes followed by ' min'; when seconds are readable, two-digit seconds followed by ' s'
11 h 00 min
